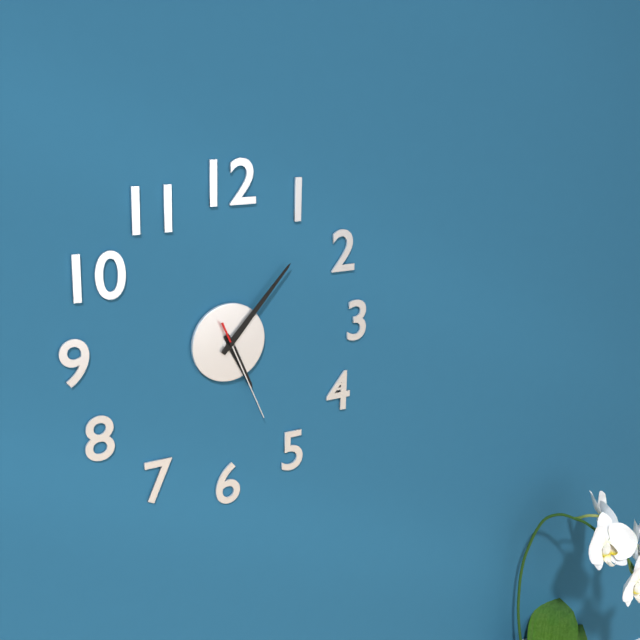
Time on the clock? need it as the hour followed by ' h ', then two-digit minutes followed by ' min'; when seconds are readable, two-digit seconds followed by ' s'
5 h 07 min 26 s
